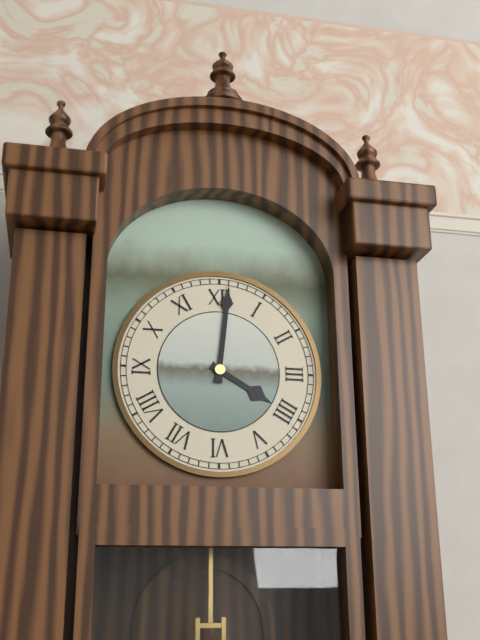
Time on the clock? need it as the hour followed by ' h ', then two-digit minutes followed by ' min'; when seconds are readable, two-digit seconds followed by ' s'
4 h 01 min
